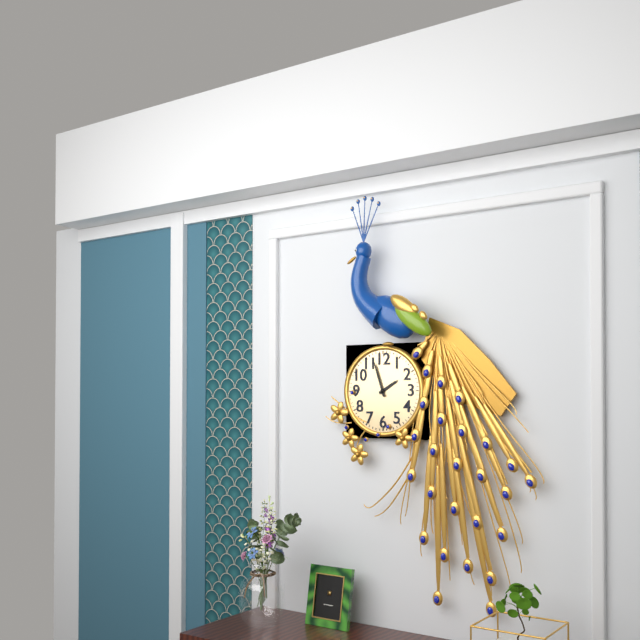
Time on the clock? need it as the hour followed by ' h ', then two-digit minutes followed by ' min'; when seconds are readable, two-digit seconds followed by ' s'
1 h 57 min
